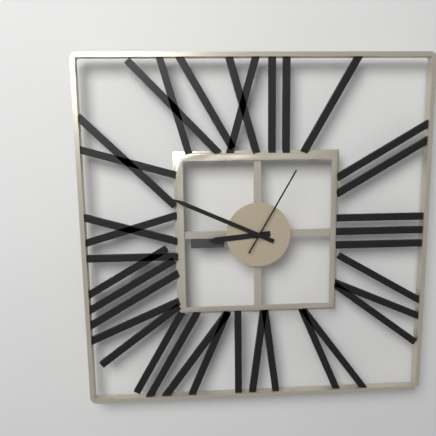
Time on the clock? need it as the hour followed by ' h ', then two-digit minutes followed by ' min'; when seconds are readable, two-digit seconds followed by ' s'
8 h 49 min 05 s
